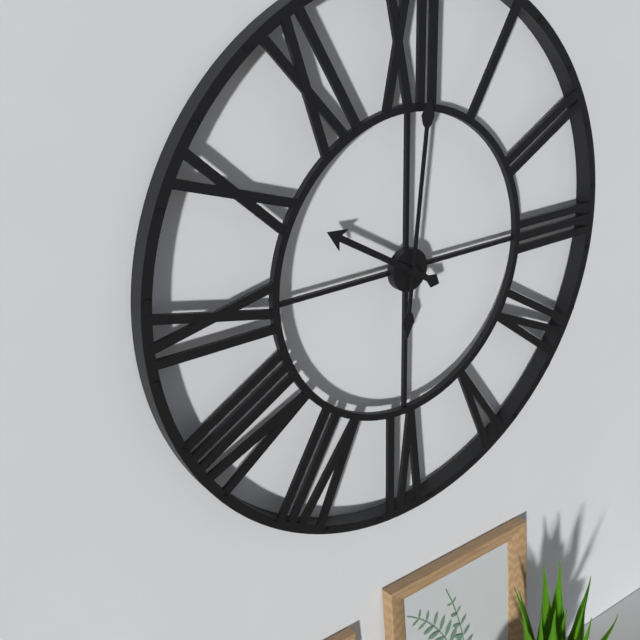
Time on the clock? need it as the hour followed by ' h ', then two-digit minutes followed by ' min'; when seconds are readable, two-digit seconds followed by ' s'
10 h 01 min
